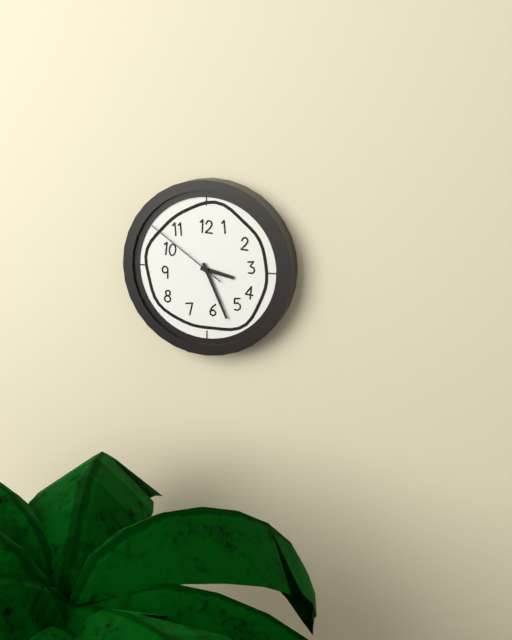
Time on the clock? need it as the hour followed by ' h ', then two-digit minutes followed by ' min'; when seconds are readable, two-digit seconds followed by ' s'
3 h 26 min 51 s
